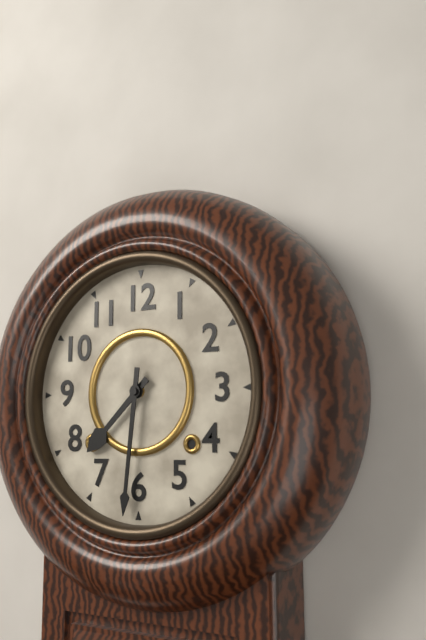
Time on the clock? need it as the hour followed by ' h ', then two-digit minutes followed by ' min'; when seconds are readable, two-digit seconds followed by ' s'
7 h 31 min
